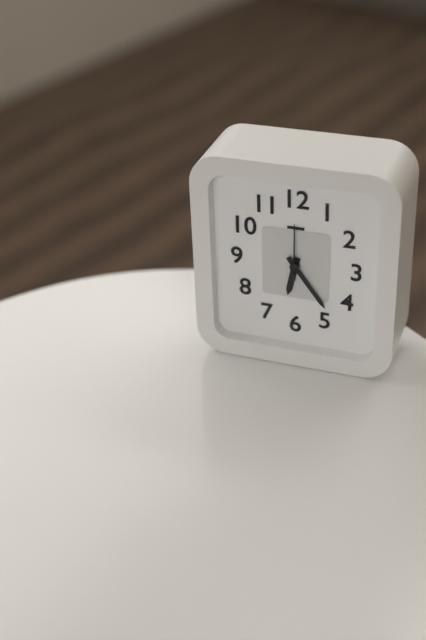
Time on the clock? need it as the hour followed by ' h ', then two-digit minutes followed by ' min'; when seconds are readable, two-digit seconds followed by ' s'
6 h 24 min 00 s
